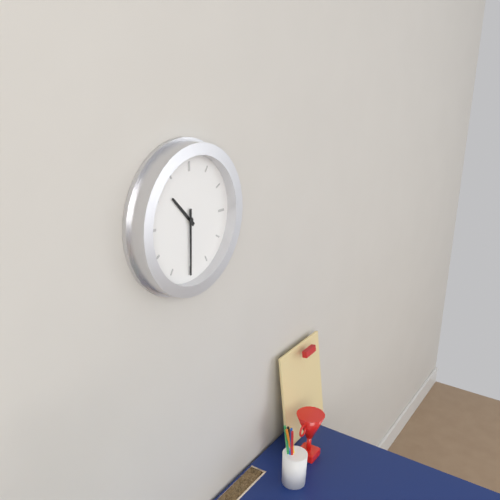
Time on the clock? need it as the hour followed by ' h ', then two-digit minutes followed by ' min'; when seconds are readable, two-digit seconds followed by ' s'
10 h 30 min
